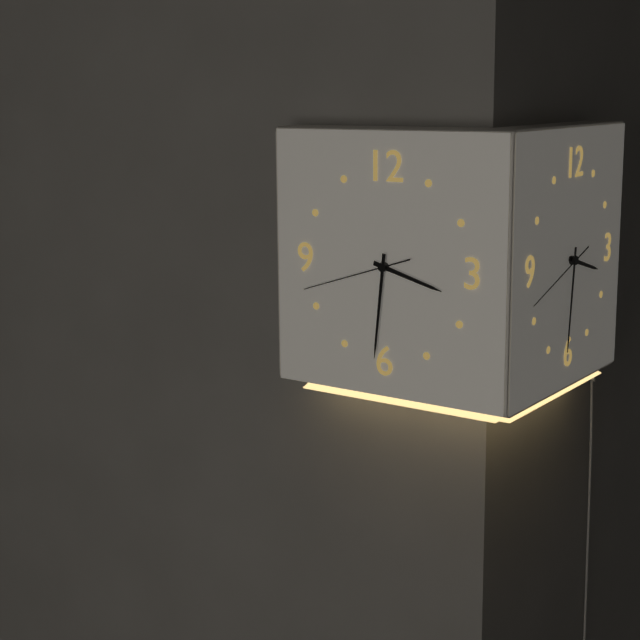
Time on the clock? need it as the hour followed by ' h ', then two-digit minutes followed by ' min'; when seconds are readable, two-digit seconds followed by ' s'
3 h 31 min 42 s
